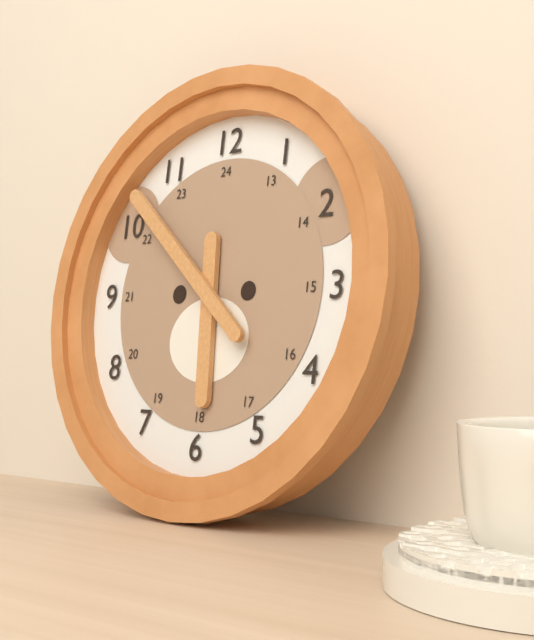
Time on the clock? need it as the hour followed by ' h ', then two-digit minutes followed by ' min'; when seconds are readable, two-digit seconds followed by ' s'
5 h 52 min
